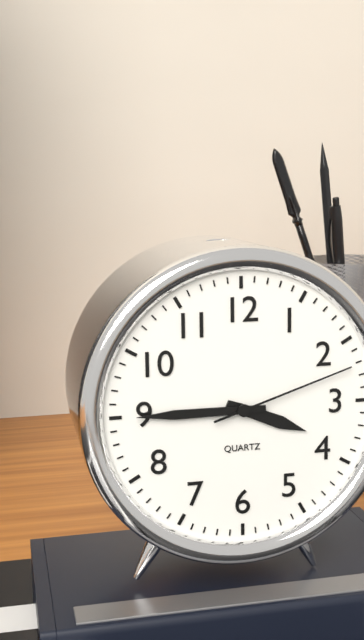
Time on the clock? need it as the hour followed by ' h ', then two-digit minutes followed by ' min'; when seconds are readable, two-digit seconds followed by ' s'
3 h 45 min 12 s
